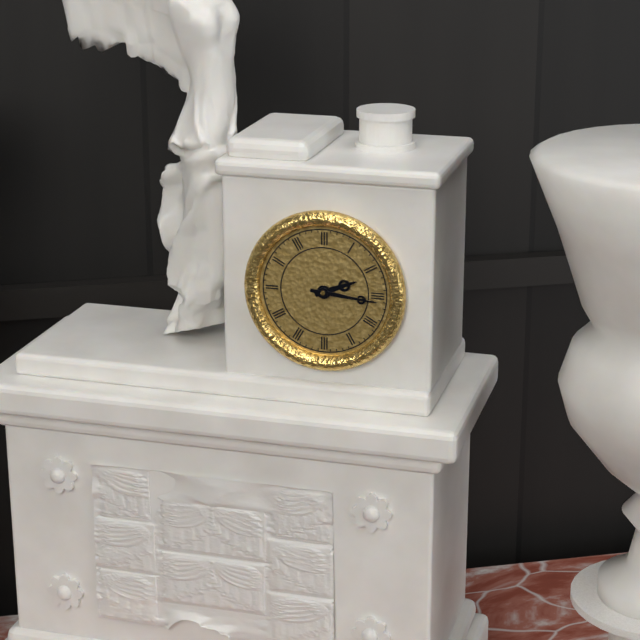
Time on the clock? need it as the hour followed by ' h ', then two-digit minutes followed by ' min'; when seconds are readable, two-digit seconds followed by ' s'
2 h 16 min
